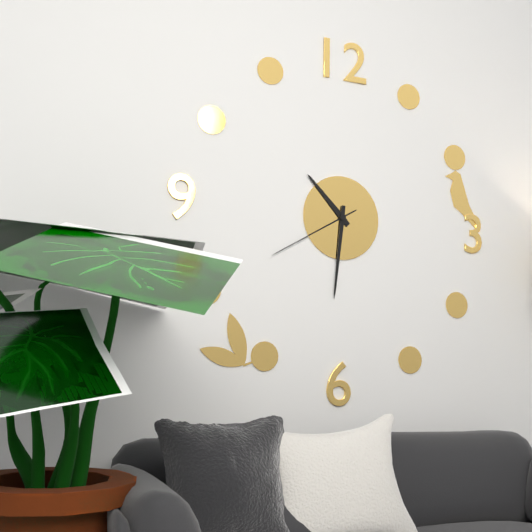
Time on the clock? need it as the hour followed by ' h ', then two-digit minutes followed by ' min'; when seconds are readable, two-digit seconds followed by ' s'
10 h 31 min 40 s
